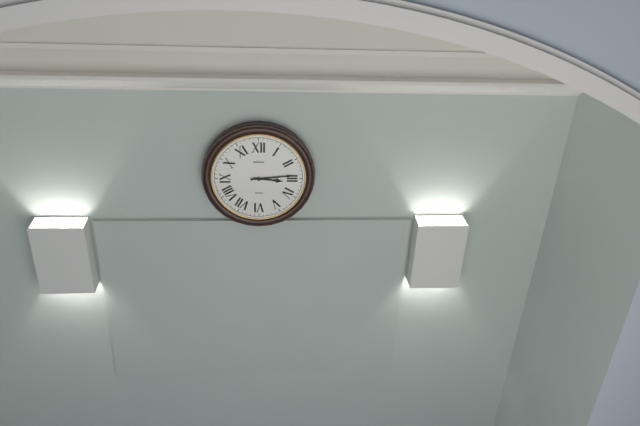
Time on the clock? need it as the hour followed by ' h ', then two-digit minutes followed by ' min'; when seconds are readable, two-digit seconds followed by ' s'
3 h 14 min
